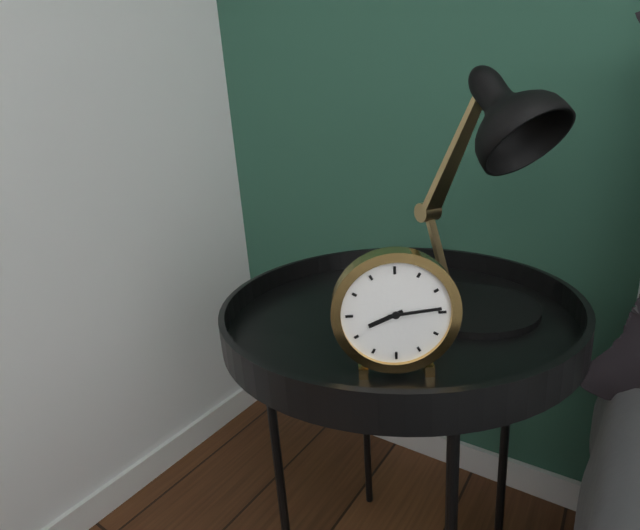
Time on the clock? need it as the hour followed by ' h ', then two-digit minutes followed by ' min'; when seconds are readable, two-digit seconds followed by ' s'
8 h 14 min
